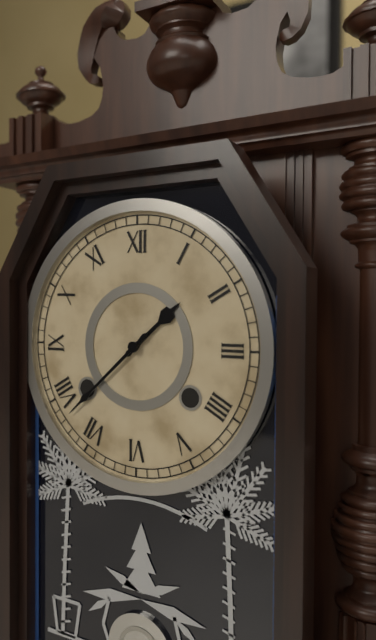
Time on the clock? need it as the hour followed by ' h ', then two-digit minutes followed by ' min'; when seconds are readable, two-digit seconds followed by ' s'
1 h 38 min
